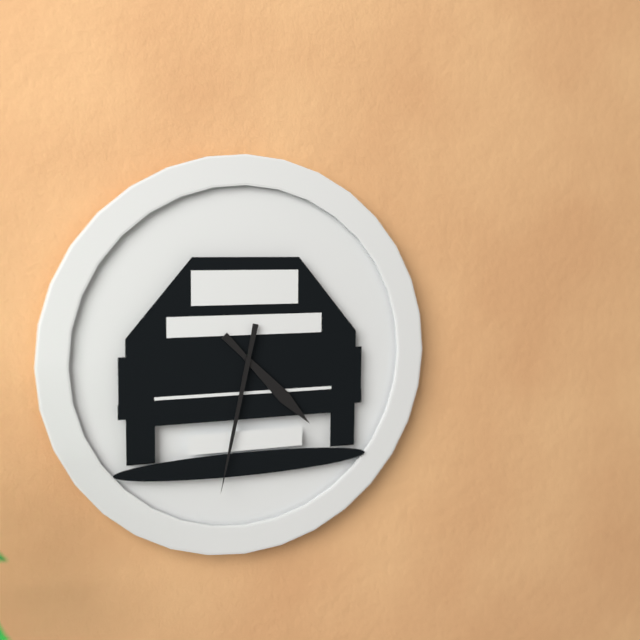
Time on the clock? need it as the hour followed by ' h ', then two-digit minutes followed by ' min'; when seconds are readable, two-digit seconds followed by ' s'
4 h 32 min
